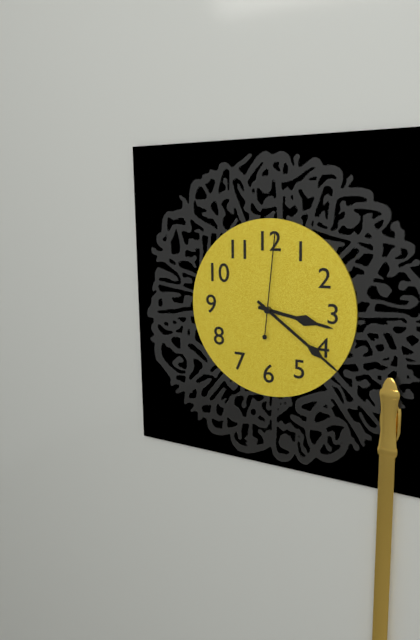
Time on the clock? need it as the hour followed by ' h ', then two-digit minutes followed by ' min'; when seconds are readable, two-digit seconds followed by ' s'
3 h 21 min 01 s
